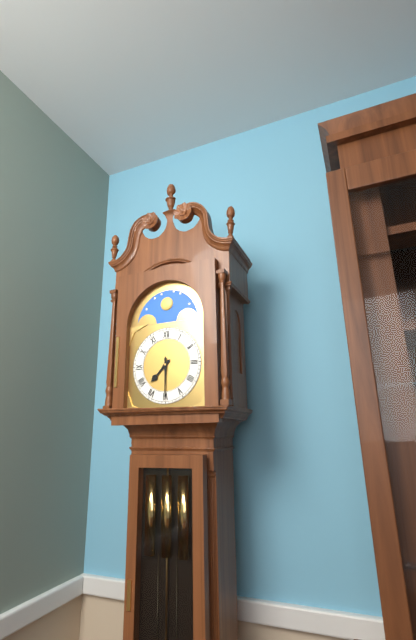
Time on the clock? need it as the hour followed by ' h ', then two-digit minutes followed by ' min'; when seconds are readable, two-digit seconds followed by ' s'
7 h 30 min
